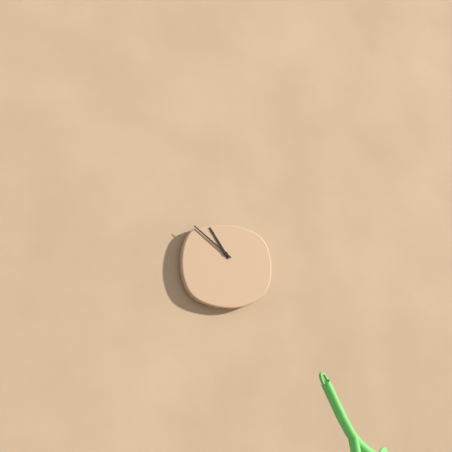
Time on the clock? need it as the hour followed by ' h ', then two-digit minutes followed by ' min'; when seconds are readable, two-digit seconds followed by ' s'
10 h 51 min
